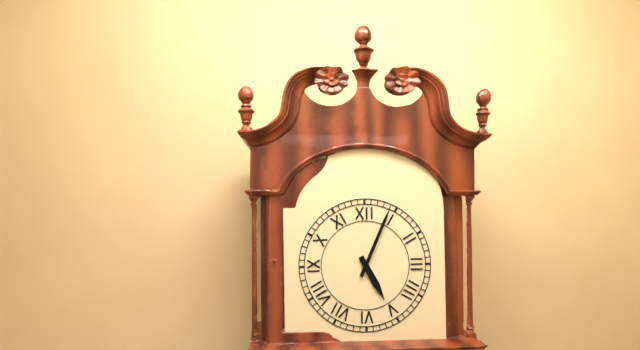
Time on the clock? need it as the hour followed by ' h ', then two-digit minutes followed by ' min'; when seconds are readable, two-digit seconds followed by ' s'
5 h 04 min
